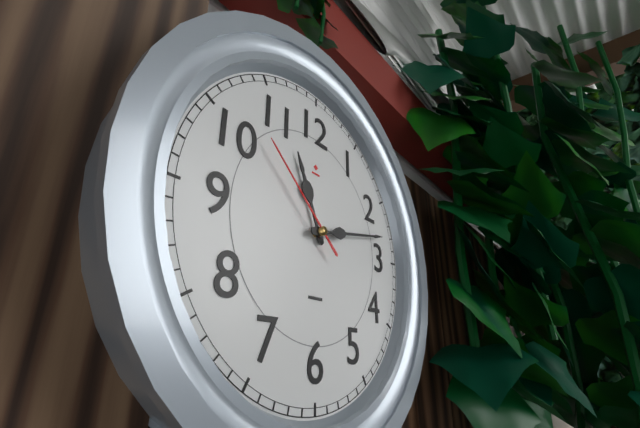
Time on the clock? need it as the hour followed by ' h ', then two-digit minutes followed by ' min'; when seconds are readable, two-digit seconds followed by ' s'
11 h 13 min 52 s
